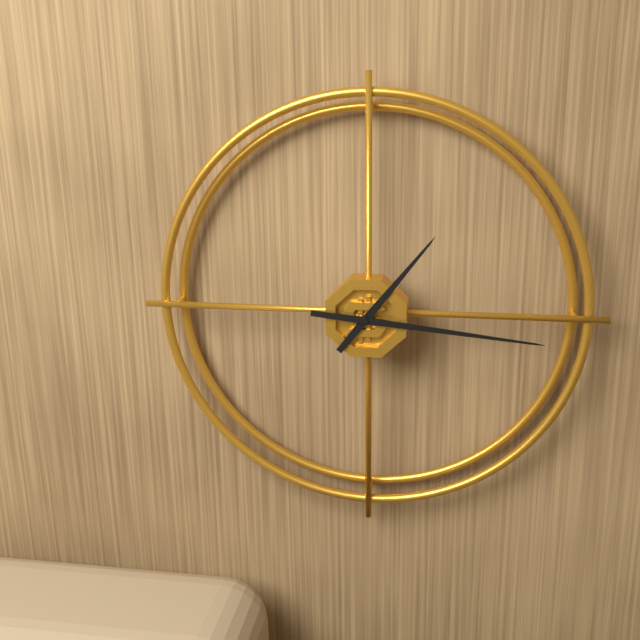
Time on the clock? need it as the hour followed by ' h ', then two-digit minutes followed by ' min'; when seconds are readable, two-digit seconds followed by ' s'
1 h 16 min
